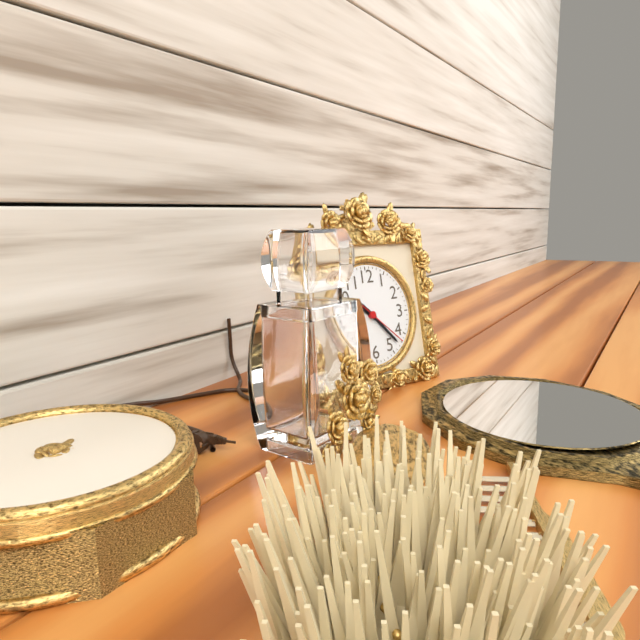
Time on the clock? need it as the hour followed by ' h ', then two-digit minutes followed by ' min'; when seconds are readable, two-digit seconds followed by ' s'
10 h 23 min 22 s
